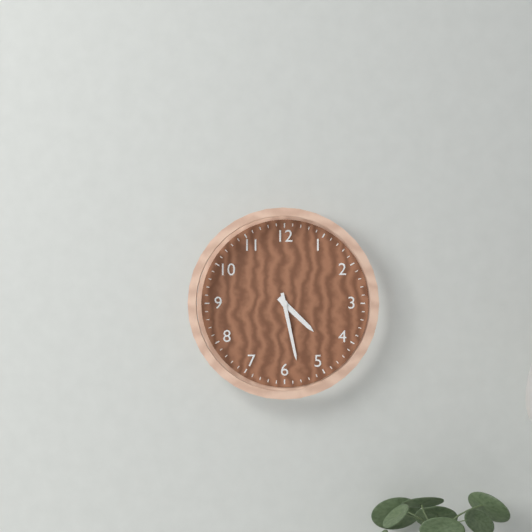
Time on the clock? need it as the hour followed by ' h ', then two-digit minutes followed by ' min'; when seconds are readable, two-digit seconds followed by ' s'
4 h 28 min
